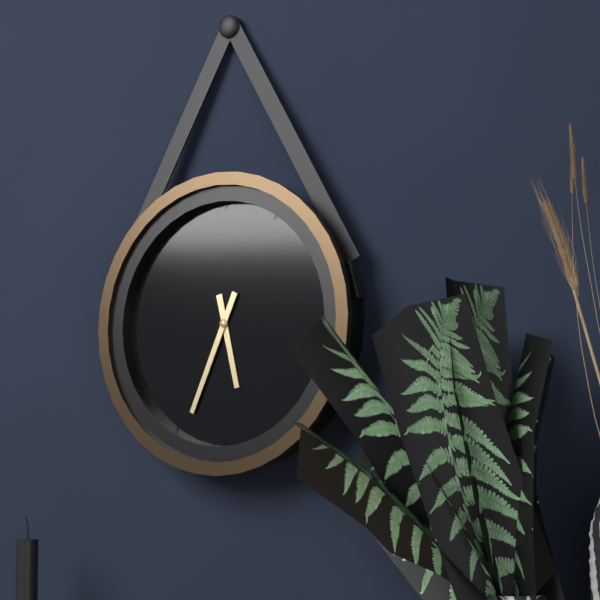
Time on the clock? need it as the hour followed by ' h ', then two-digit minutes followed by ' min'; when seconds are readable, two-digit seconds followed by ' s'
5 h 34 min
